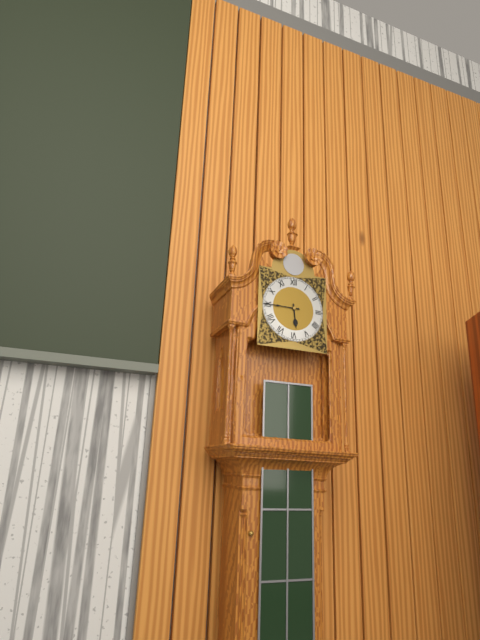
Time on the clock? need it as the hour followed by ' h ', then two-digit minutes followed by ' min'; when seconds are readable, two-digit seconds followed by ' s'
5 h 45 min
